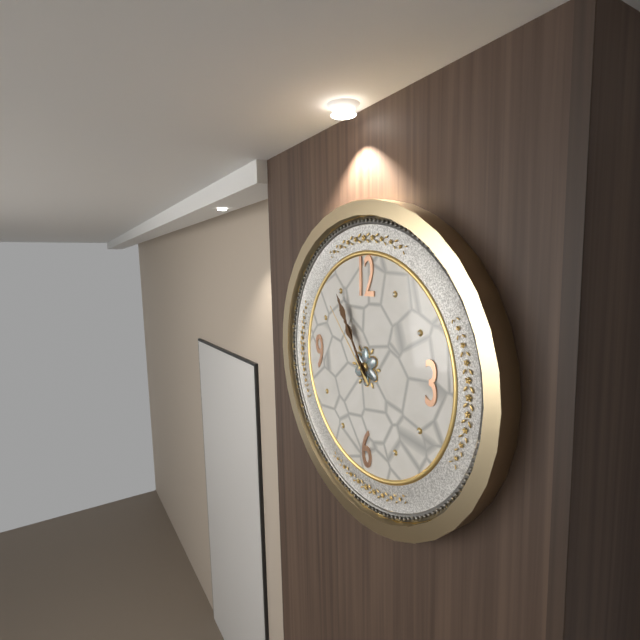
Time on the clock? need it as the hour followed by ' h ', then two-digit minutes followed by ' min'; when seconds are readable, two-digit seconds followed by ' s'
10 h 55 min 53 s
